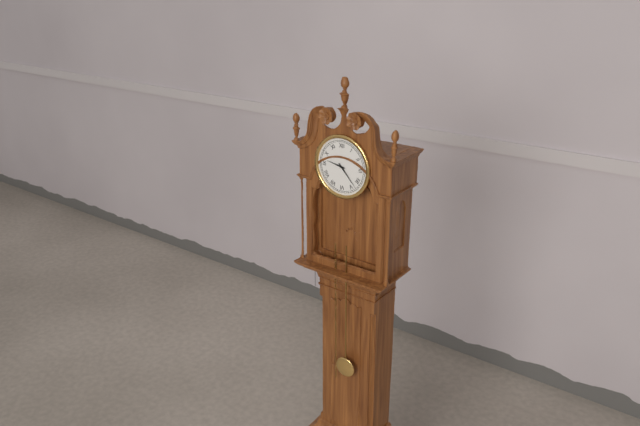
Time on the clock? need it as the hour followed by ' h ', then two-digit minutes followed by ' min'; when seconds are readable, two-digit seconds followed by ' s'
9 h 23 min
